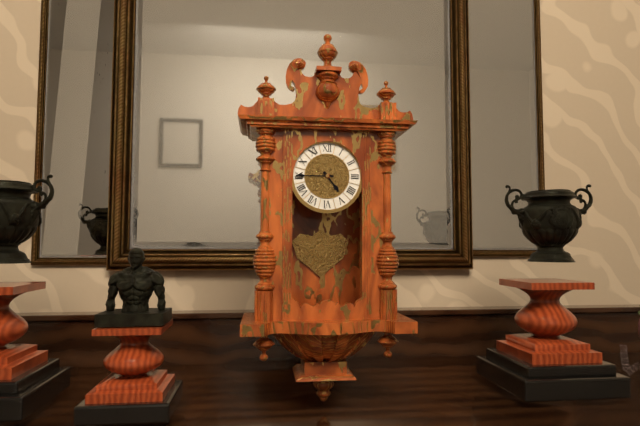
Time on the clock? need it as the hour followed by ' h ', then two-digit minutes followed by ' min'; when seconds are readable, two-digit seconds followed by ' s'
4 h 45 min
